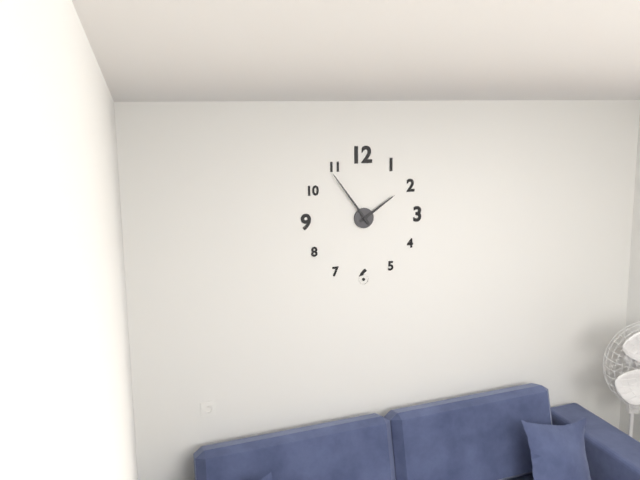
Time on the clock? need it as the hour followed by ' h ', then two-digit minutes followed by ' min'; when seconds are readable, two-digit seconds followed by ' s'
1 h 54 min
